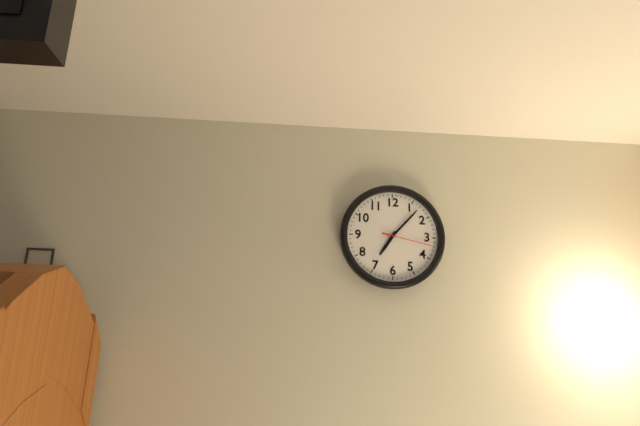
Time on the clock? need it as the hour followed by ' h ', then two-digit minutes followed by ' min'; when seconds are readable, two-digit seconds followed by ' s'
7 h 07 min
